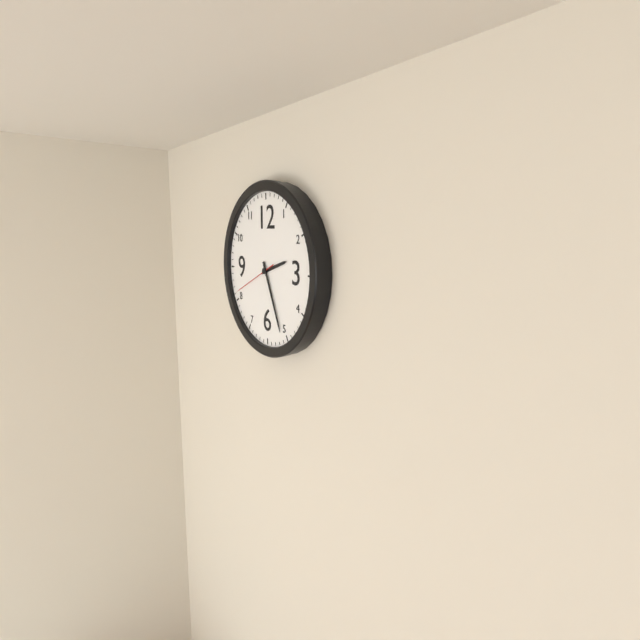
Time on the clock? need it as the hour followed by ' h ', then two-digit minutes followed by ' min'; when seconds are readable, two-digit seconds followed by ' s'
2 h 26 min
